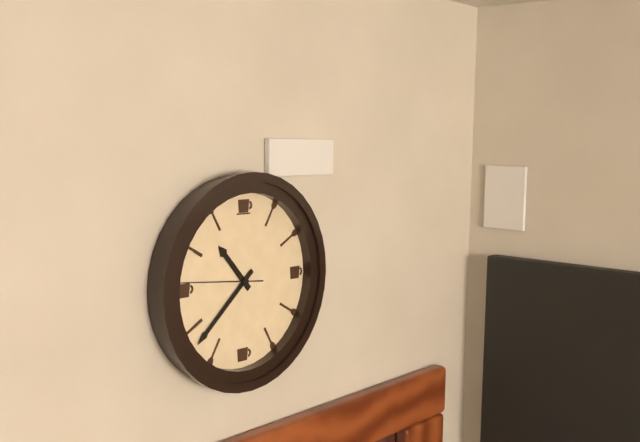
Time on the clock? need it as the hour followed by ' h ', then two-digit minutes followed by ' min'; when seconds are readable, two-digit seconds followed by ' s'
10 h 38 min 46 s
